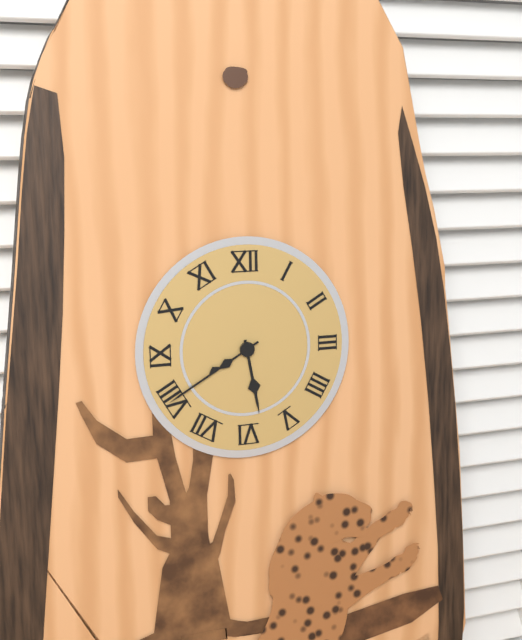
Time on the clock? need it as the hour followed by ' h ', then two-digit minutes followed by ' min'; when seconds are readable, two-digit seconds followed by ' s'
5 h 40 min
